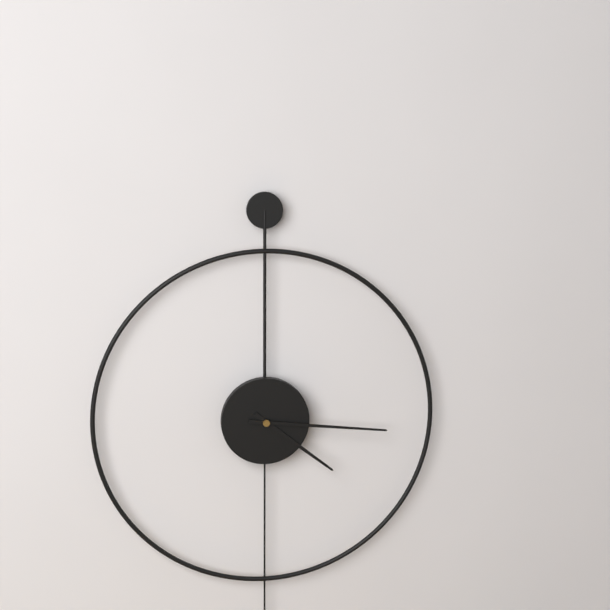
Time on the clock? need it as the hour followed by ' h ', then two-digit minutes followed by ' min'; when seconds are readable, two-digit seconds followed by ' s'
4 h 16 min
